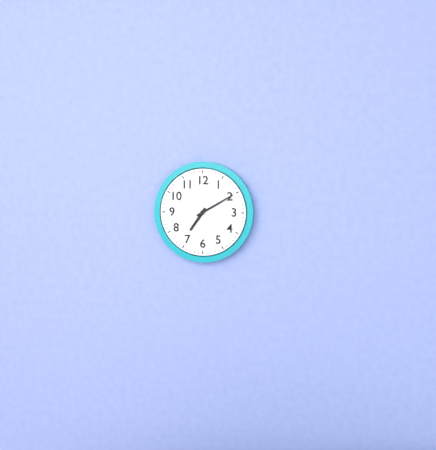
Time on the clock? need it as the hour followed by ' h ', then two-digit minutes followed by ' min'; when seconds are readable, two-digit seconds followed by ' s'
7 h 10 min
